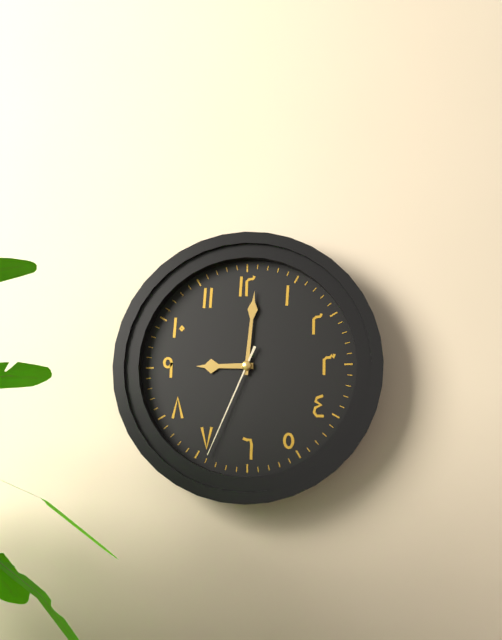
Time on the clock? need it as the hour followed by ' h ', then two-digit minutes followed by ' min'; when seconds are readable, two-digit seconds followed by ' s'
9 h 01 min 34 s
